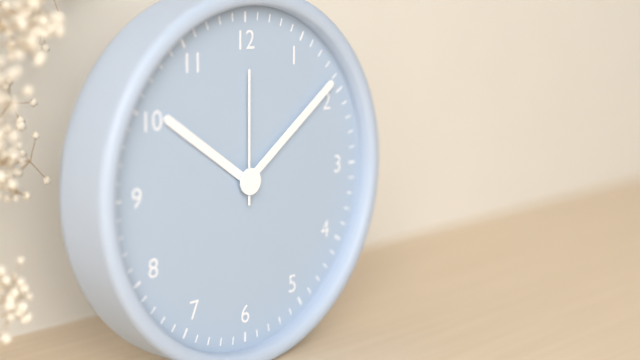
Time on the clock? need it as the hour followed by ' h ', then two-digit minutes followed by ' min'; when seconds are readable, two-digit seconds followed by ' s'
10 h 09 min 00 s
